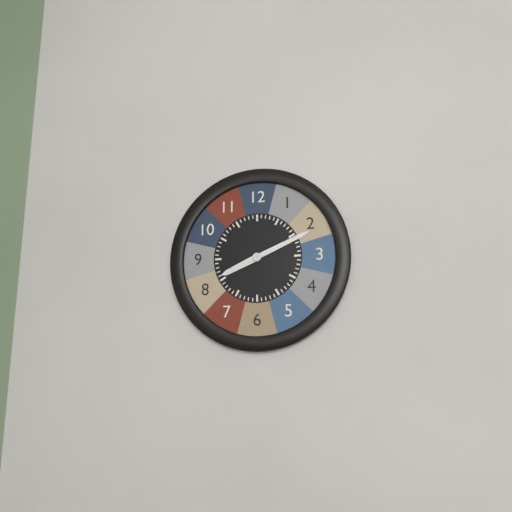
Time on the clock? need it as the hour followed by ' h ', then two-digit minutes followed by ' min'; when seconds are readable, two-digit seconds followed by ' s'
8 h 11 min
